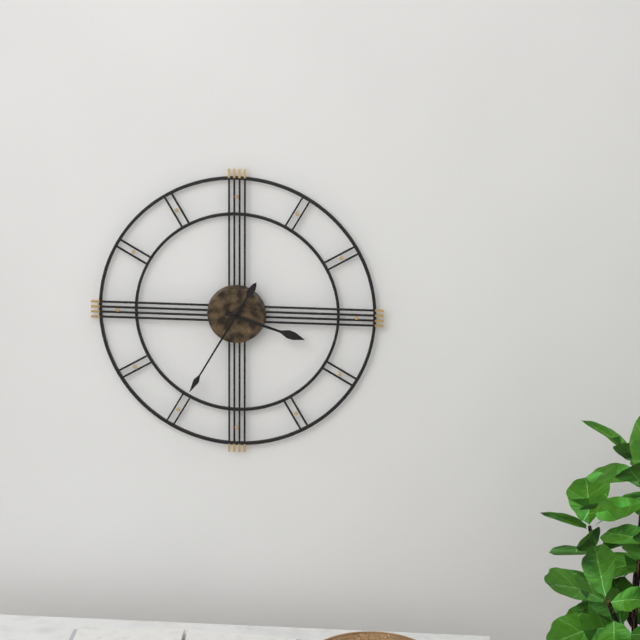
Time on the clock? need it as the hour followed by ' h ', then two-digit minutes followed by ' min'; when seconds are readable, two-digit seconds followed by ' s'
3 h 35 min
